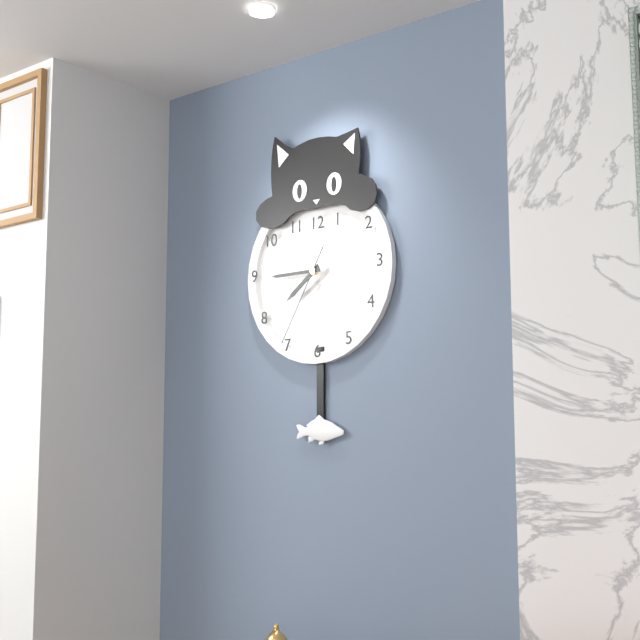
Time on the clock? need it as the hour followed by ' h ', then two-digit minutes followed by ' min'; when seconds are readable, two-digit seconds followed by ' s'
7 h 45 min 35 s
